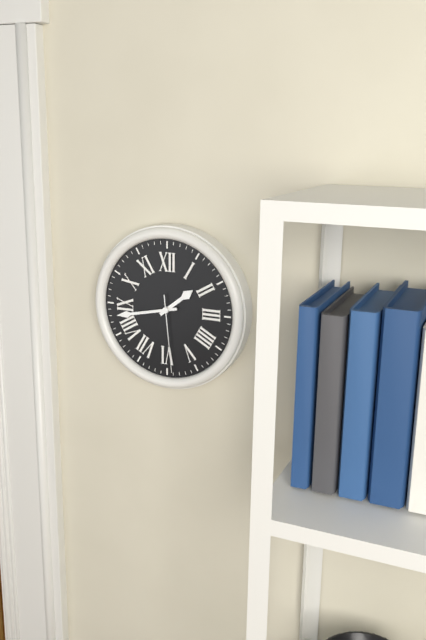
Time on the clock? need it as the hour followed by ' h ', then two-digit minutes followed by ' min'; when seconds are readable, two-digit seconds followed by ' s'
1 h 43 min 29 s
